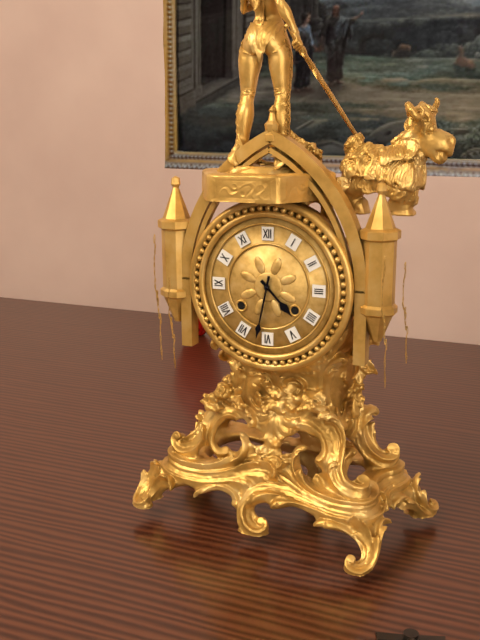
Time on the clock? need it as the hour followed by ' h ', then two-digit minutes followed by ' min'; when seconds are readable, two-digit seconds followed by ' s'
4 h 32 min
